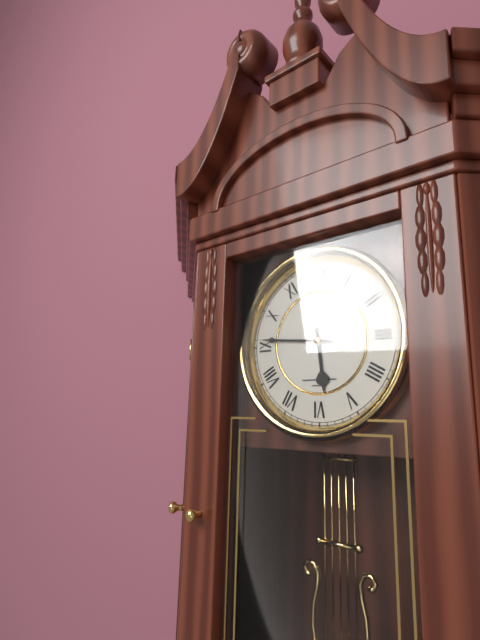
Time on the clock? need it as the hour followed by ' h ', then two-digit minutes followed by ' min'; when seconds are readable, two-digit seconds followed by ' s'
5 h 46 min
